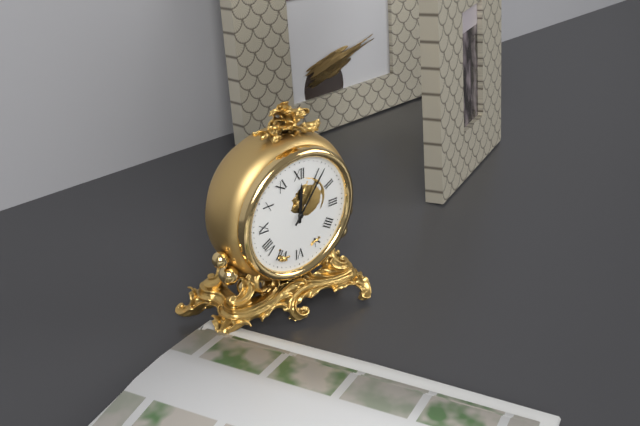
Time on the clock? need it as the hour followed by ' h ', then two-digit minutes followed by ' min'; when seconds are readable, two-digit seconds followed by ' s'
12 h 06 min
